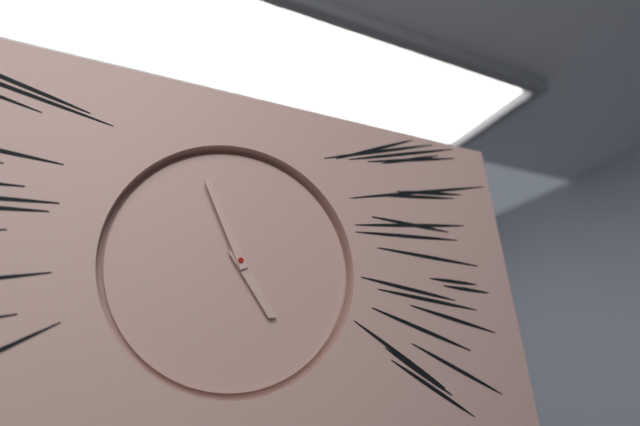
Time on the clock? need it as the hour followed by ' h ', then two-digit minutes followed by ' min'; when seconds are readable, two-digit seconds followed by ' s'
4 h 56 min
